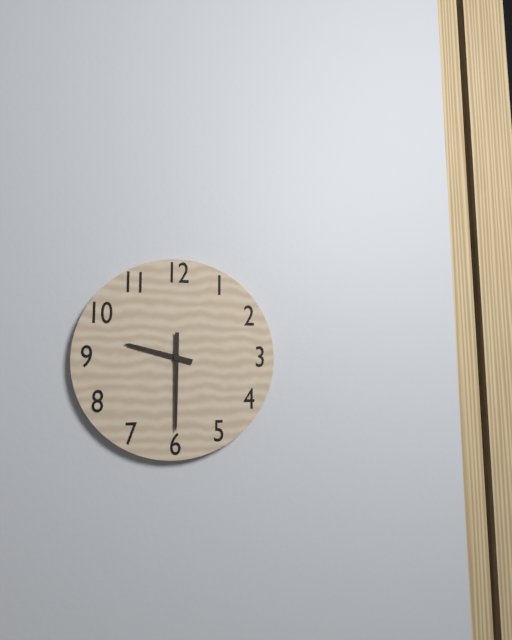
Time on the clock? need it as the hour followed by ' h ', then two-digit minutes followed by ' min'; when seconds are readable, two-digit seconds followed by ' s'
9 h 30 min
